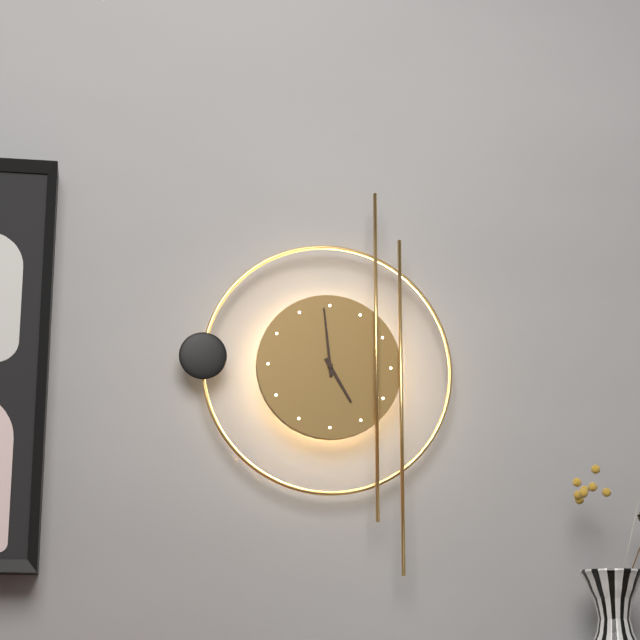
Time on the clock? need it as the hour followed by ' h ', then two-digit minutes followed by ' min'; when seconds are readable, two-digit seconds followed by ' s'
4 h 59 min
